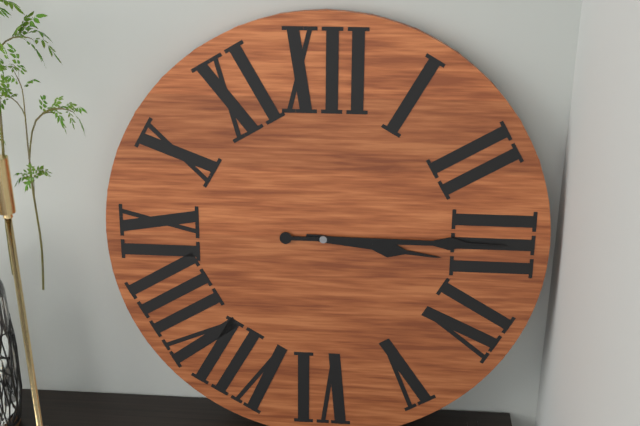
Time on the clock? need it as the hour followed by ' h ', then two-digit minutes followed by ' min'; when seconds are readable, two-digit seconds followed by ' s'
3 h 15 min
